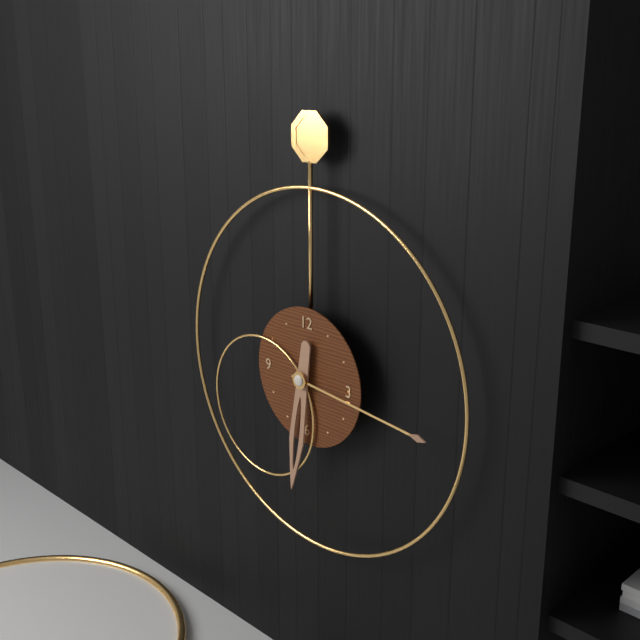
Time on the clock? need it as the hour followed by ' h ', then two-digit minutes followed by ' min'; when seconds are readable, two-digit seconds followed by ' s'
6 h 16 min
